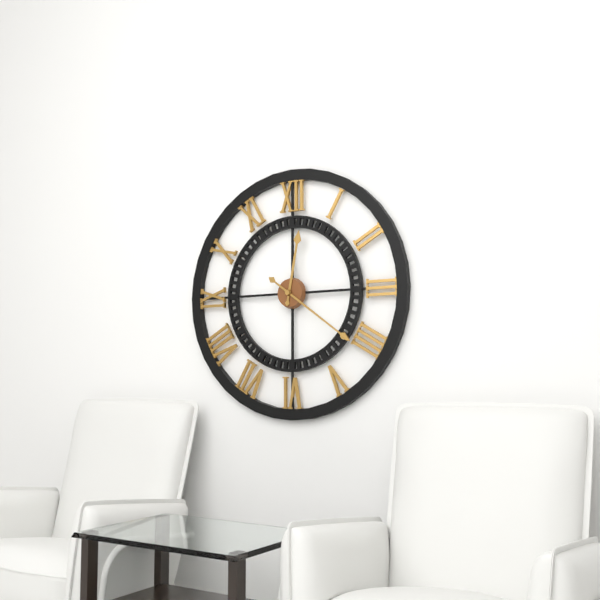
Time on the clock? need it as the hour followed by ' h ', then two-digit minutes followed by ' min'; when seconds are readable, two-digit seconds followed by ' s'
12 h 21 min
